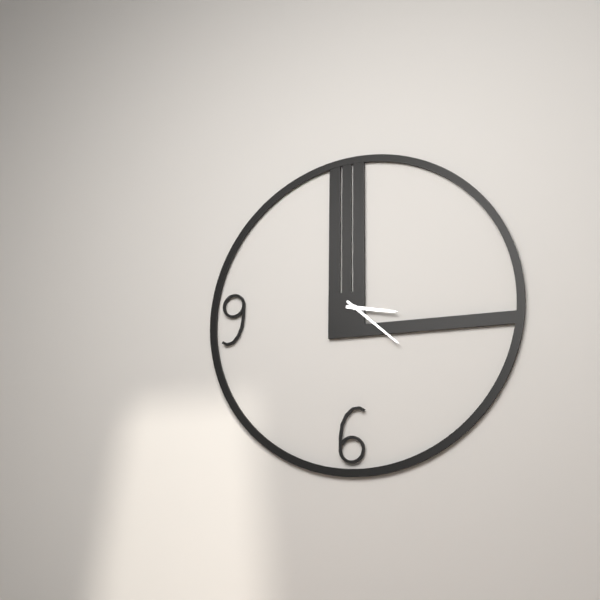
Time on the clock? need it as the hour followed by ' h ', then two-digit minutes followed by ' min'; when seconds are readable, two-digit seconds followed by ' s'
3 h 22 min
